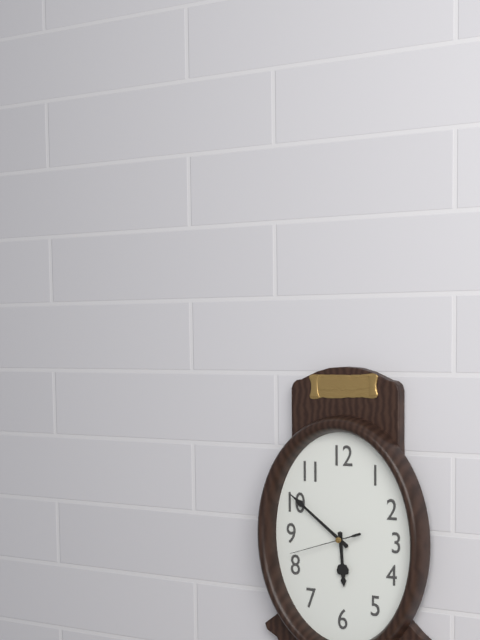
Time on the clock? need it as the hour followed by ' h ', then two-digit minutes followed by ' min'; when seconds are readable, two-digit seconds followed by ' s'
5 h 51 min 42 s
